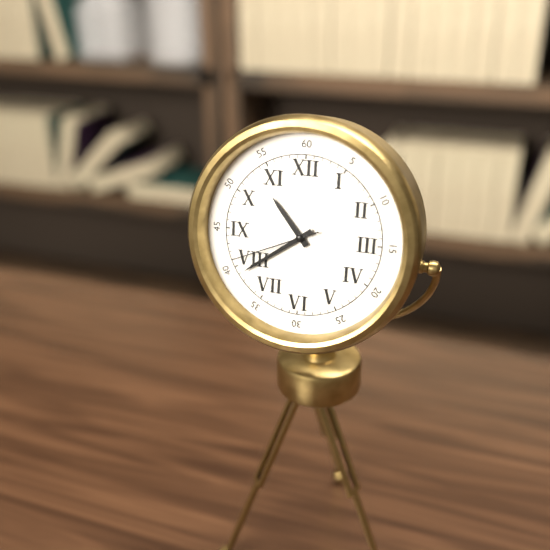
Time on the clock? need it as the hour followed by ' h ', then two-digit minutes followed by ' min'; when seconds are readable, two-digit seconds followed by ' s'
10 h 39 min 41 s
